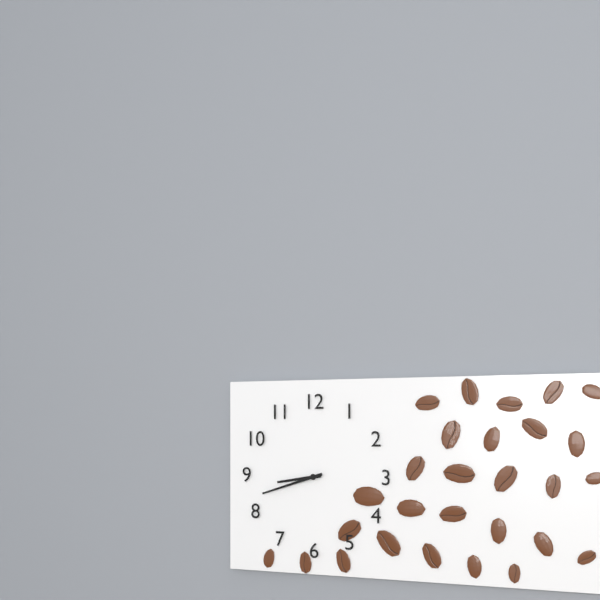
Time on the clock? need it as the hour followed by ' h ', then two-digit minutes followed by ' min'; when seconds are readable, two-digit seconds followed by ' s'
8 h 42 min
